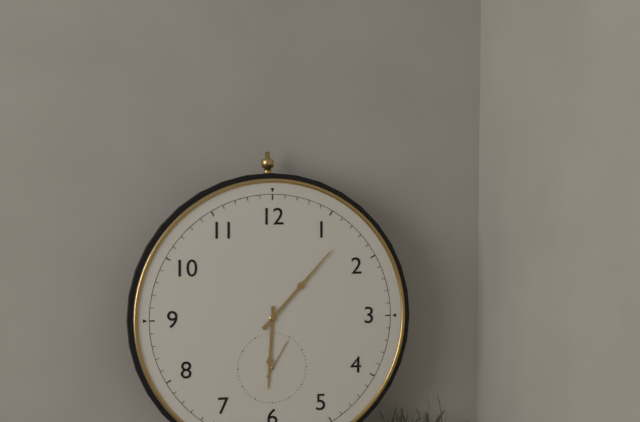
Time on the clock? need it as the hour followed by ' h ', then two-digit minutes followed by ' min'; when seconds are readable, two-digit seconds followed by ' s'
6 h 07 min
